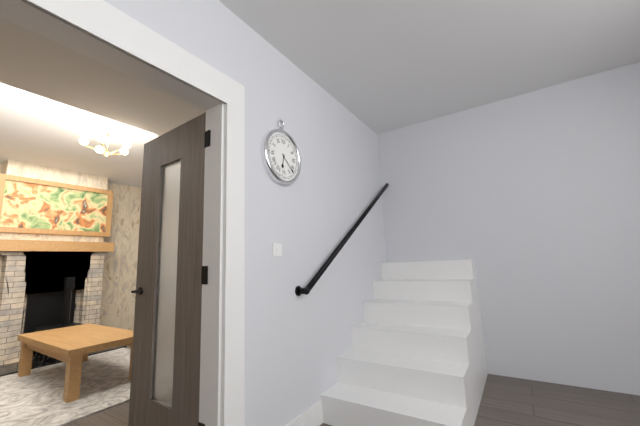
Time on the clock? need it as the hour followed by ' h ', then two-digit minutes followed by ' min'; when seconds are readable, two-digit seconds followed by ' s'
6 h 22 min
